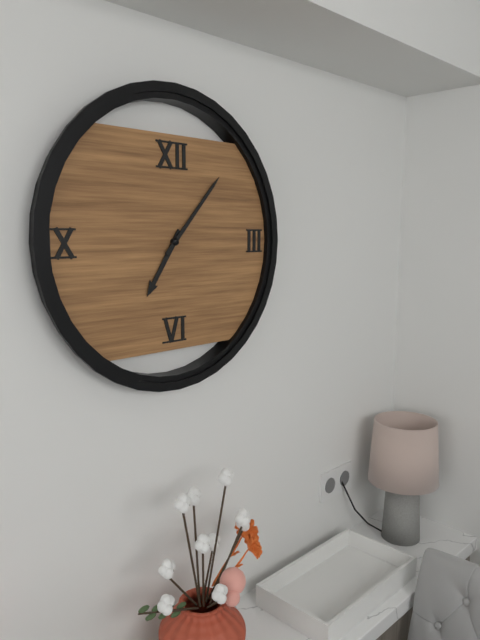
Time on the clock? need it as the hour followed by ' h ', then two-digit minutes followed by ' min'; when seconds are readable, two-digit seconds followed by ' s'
7 h 07 min
